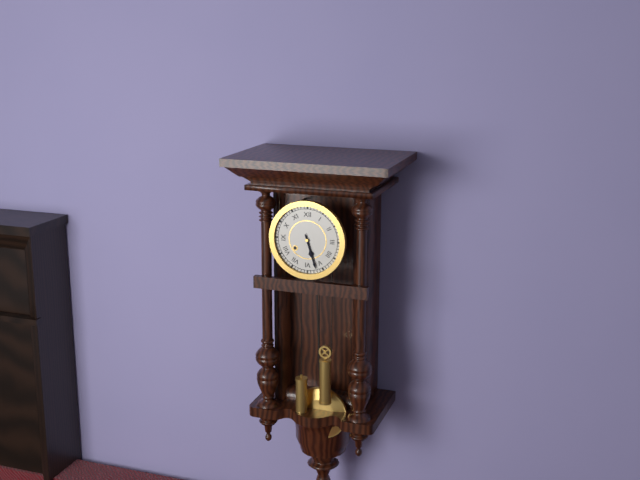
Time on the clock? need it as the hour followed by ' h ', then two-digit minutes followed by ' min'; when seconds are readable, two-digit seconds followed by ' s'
5 h 27 min
